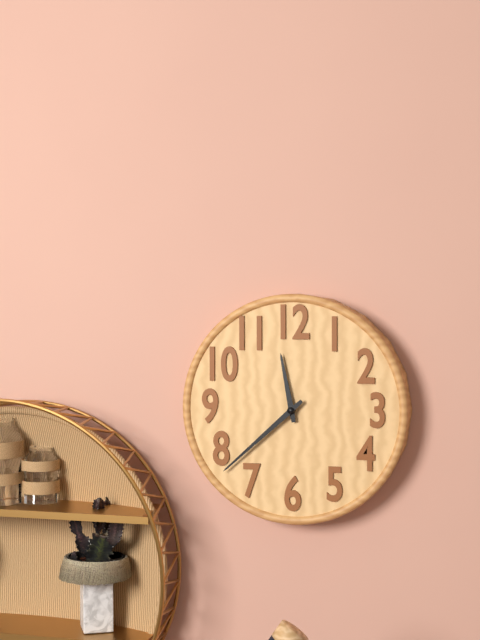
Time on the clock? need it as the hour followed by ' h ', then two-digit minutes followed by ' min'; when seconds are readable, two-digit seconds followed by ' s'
11 h 38 min
